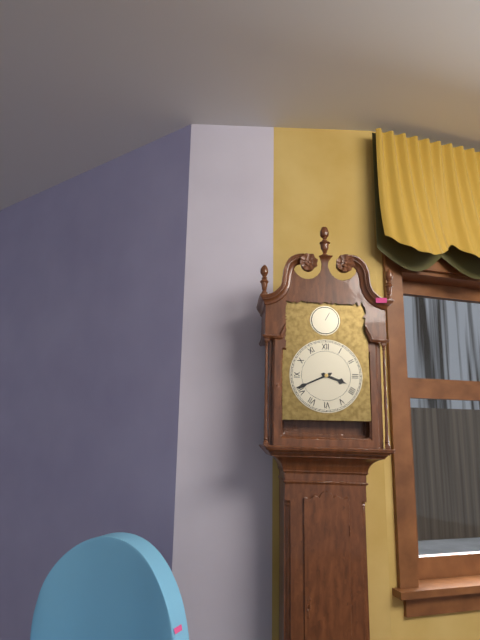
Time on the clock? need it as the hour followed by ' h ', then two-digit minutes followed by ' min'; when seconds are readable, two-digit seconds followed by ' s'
3 h 41 min
